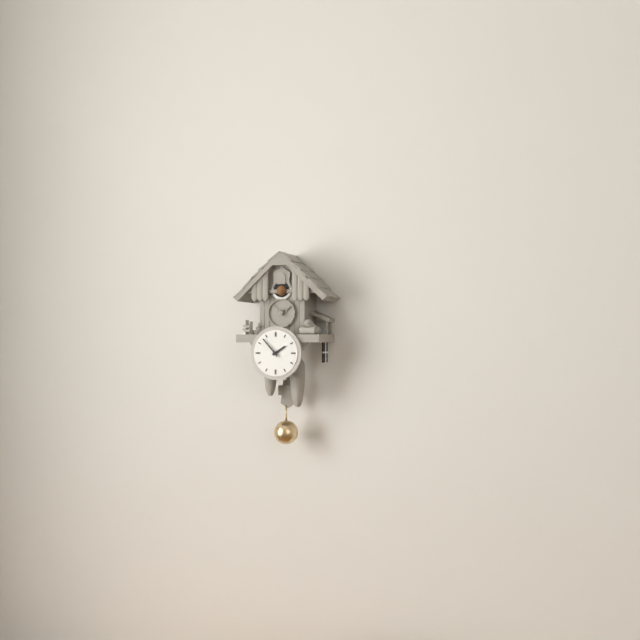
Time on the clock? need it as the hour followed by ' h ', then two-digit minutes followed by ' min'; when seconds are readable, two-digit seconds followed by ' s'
1 h 53 min
